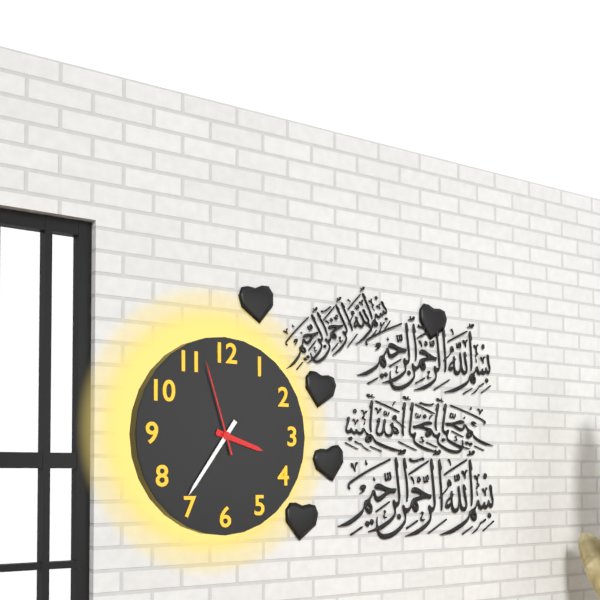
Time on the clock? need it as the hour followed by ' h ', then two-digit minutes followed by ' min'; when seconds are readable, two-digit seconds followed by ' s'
3 h 36 min 57 s
